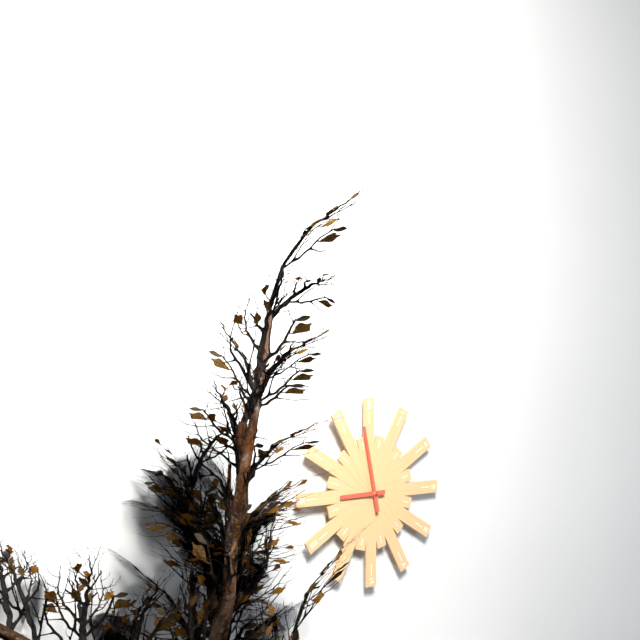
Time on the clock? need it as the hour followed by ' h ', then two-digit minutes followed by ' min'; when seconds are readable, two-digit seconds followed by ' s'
8 h 58 min
